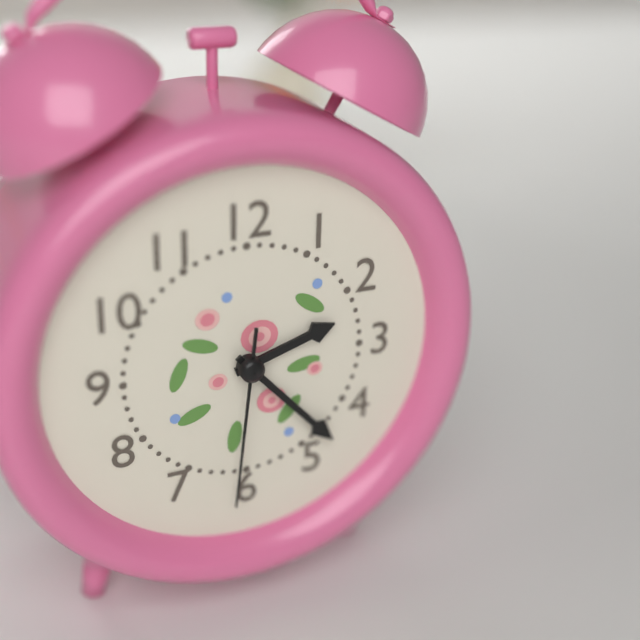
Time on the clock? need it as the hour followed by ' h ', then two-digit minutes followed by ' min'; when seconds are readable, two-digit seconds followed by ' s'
2 h 23 min 31 s
